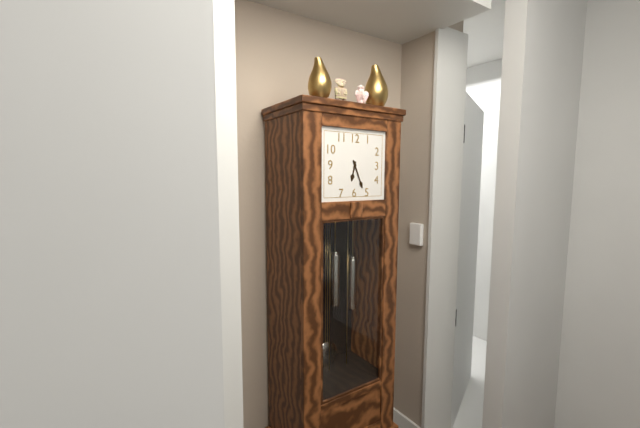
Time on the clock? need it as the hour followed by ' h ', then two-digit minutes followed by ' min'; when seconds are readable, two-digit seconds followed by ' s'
6 h 26 min
